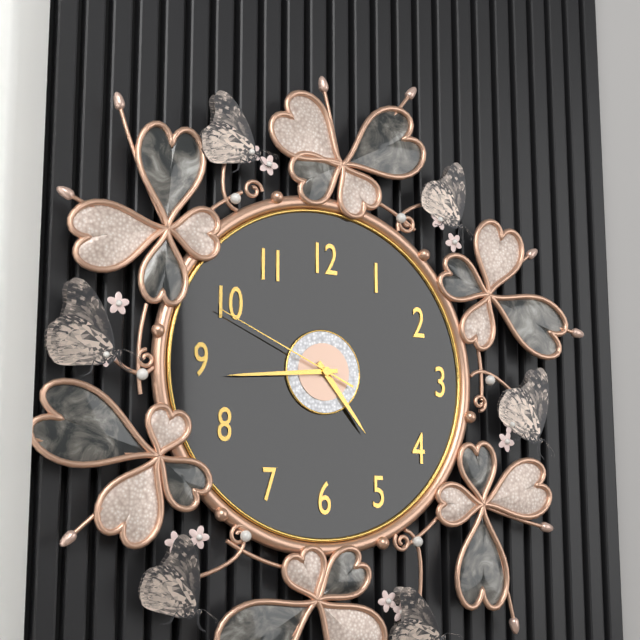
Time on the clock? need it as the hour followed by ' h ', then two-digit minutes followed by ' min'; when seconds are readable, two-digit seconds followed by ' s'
4 h 44 min 49 s
